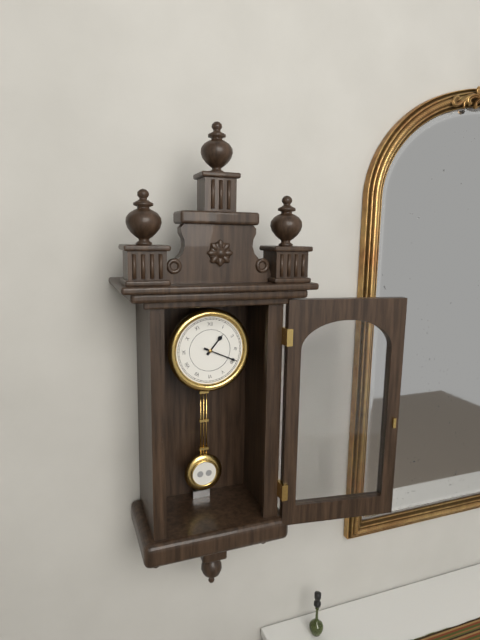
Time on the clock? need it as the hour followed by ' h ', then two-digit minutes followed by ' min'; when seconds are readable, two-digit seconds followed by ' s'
1 h 19 min
